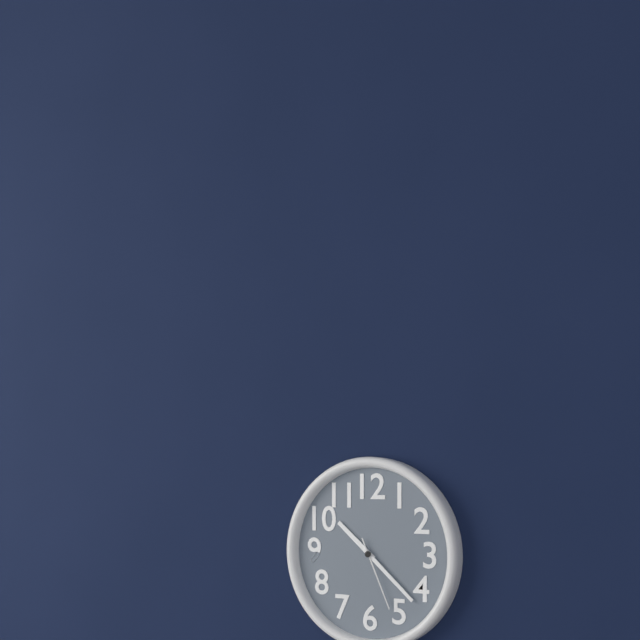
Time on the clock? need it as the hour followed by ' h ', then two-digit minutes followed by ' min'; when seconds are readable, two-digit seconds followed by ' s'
10 h 22 min 26 s
